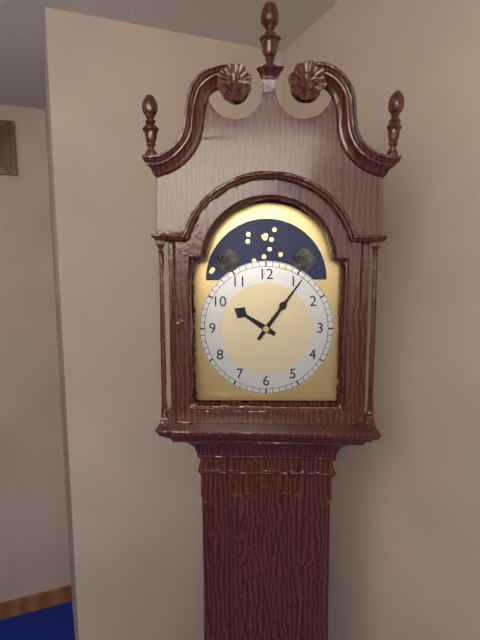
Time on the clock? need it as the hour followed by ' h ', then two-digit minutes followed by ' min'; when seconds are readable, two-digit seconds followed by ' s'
10 h 06 min
